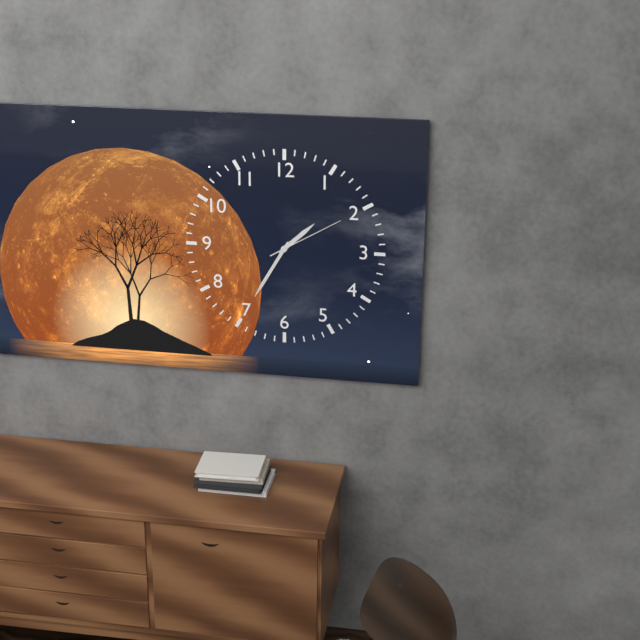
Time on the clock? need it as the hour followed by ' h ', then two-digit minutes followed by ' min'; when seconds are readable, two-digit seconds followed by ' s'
1 h 35 min 10 s
